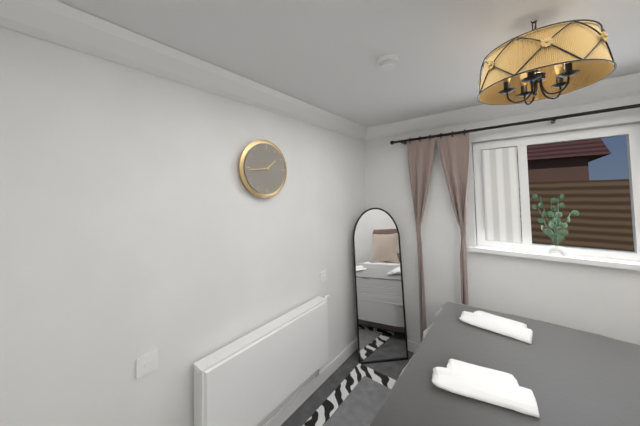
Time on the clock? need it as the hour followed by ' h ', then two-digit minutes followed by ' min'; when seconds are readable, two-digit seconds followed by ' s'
1 h 44 min
